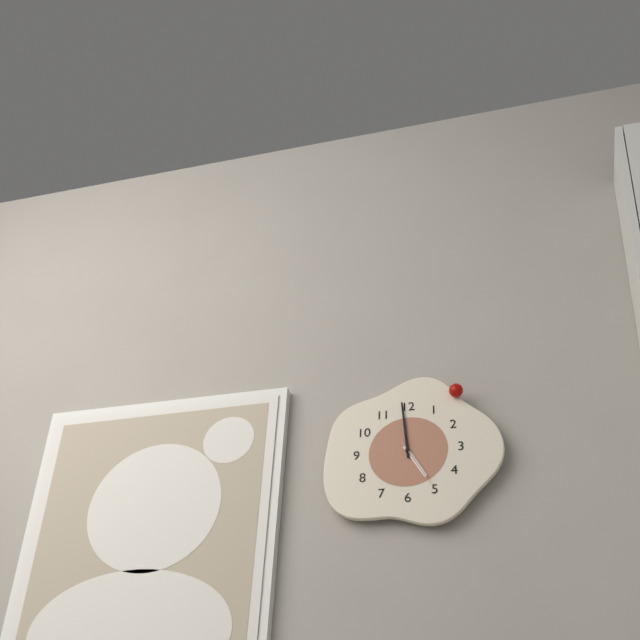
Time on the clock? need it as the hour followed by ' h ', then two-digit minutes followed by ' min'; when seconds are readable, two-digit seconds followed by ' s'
4 h 59 min
